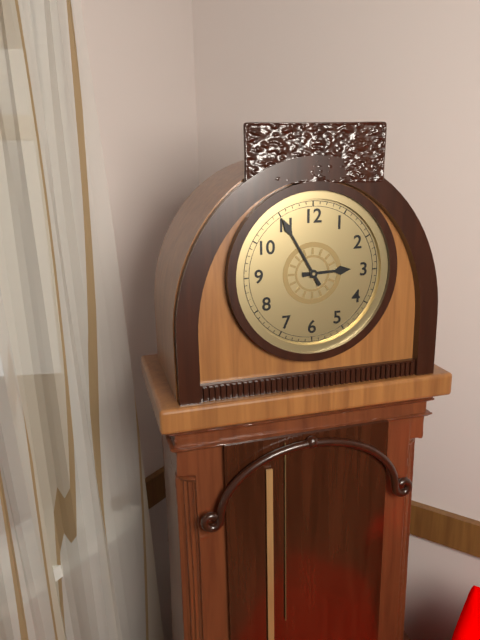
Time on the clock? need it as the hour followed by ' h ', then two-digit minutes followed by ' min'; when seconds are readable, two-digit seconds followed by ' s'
2 h 55 min
